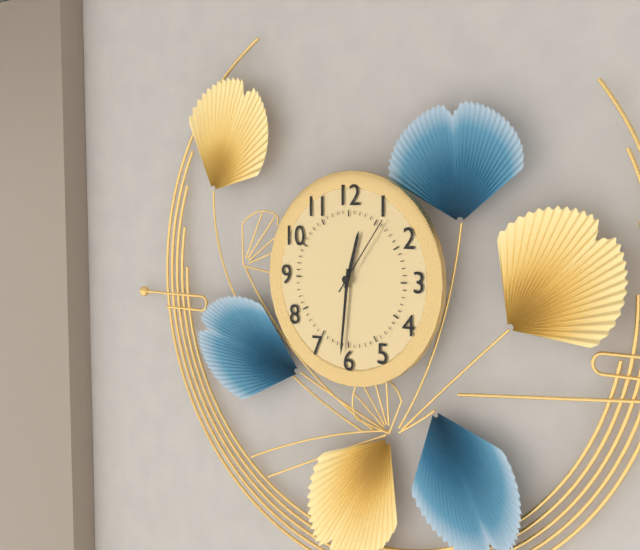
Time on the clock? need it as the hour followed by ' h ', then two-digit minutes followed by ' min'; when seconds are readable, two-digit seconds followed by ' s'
12 h 31 min 06 s
